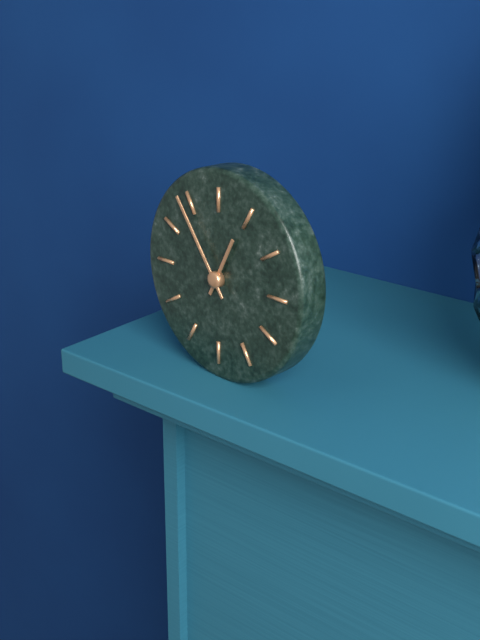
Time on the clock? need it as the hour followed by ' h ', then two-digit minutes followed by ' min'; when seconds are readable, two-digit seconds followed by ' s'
12 h 54 min
